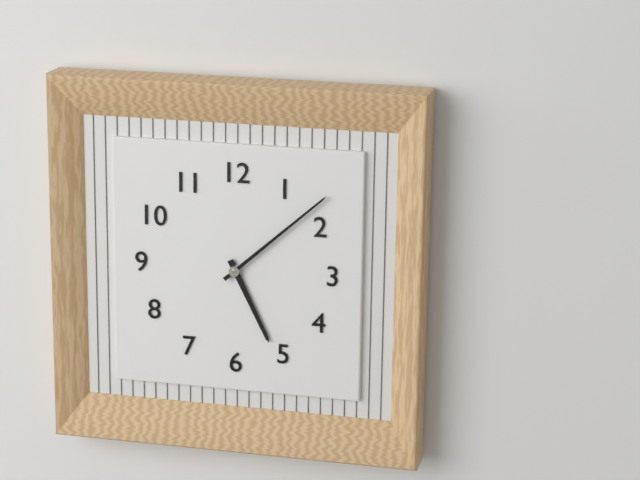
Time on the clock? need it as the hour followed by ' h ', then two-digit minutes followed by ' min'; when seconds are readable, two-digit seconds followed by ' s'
5 h 08 min
